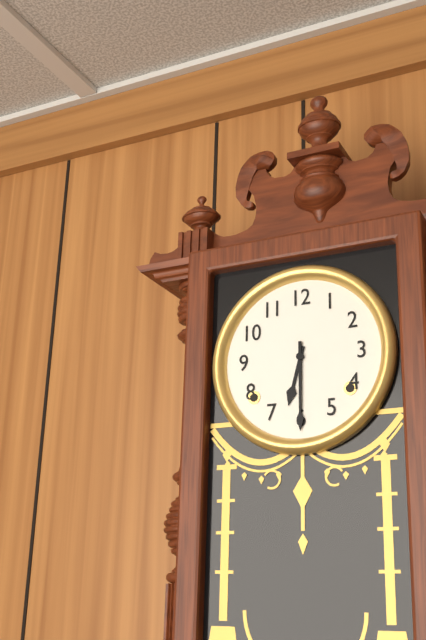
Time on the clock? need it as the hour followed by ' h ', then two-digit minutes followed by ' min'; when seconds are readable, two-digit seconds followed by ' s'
6 h 30 min
